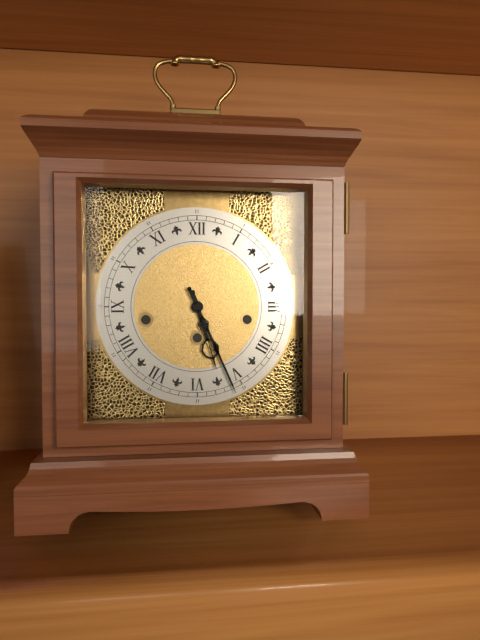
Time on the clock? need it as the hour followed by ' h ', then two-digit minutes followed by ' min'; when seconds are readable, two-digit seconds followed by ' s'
5 h 26 min
